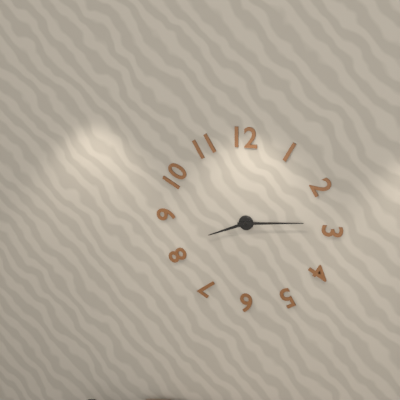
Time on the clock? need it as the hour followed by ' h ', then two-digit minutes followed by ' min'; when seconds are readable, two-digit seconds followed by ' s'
8 h 14 min
